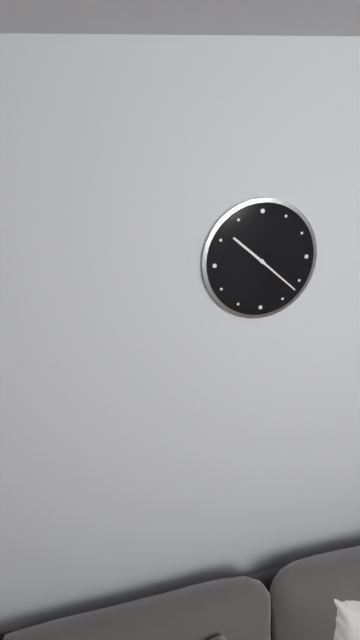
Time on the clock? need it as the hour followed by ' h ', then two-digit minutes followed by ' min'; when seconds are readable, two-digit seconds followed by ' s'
10 h 22 min
